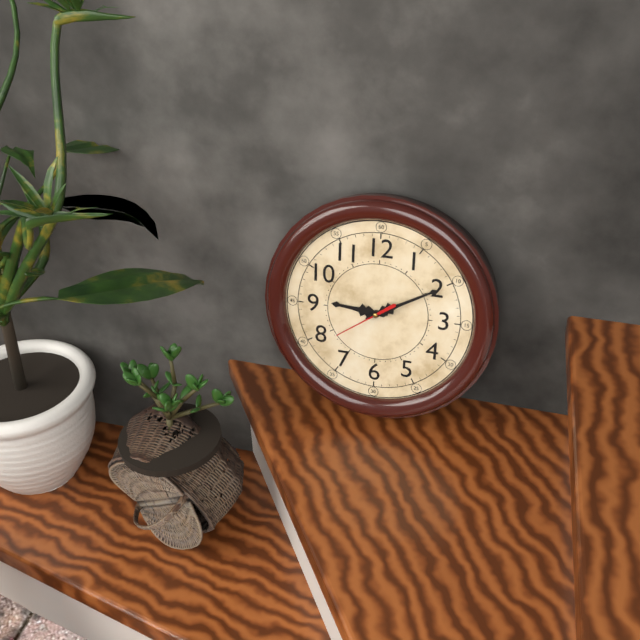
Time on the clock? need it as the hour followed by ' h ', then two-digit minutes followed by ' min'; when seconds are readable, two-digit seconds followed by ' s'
9 h 10 min 39 s
